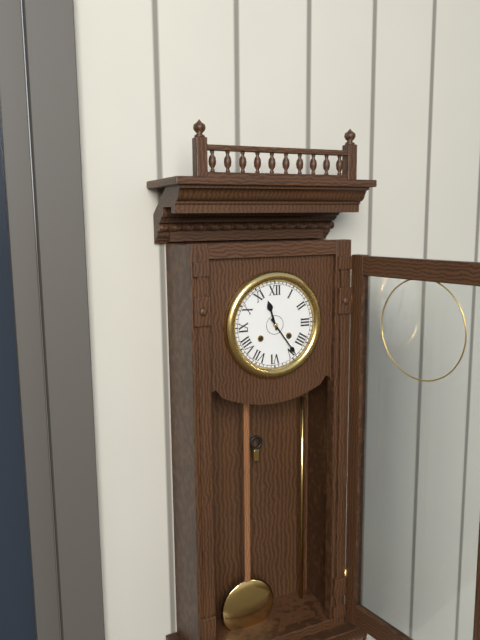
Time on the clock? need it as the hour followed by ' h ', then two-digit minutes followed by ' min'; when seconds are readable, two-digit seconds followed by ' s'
11 h 24 min
